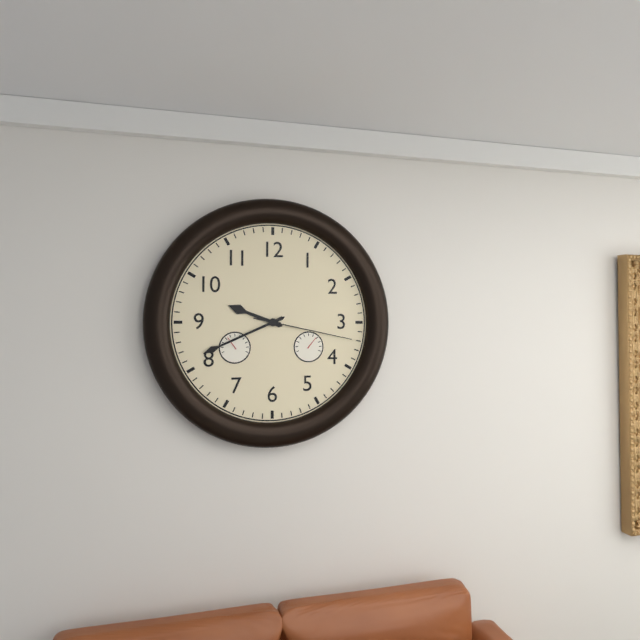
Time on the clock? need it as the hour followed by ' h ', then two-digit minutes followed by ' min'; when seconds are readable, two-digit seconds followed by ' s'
9 h 41 min 17 s
